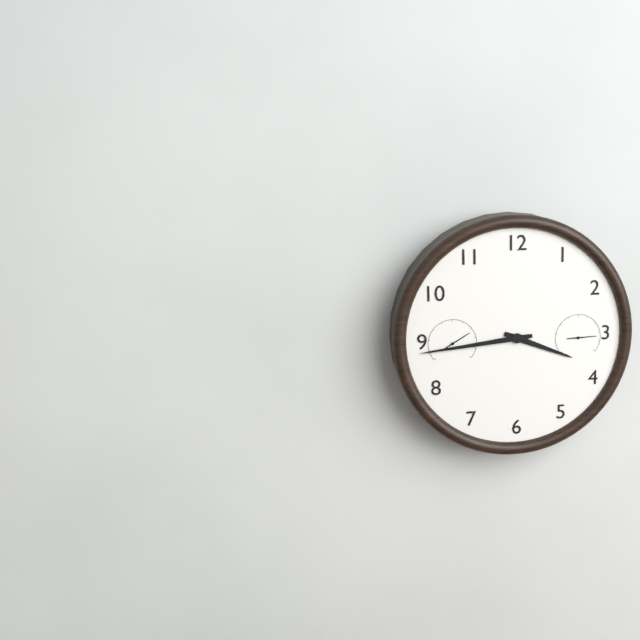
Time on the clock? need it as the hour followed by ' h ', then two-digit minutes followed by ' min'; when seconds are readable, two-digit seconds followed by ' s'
3 h 44 min
